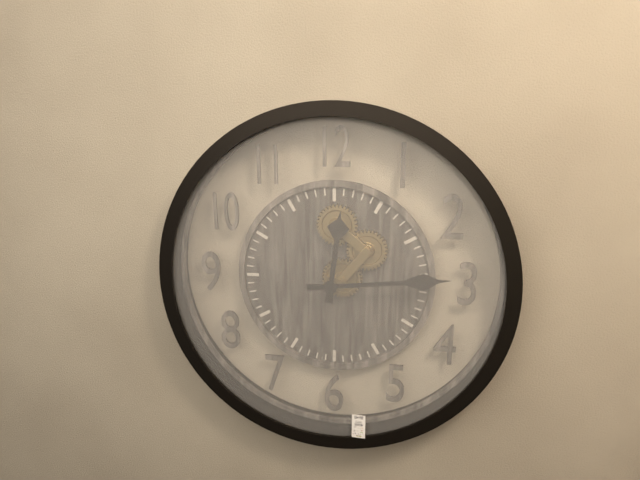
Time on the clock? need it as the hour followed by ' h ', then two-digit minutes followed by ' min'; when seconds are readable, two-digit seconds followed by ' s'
12 h 14 min
